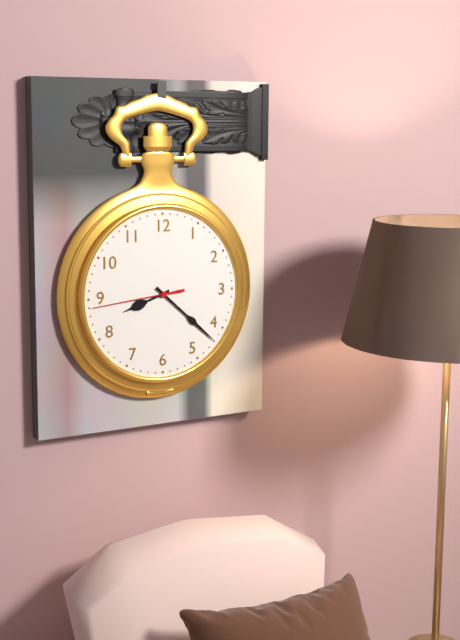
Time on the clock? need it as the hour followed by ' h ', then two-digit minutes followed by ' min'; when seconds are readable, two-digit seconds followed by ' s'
8 h 22 min 44 s
